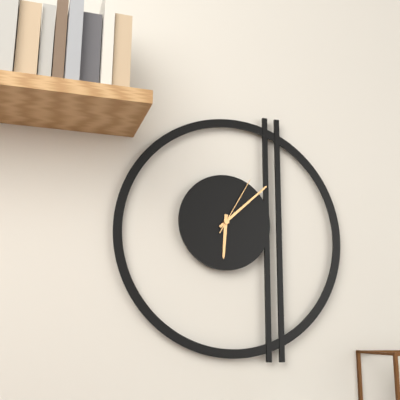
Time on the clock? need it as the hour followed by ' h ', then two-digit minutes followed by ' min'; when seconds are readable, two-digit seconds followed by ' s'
6 h 08 min 05 s
